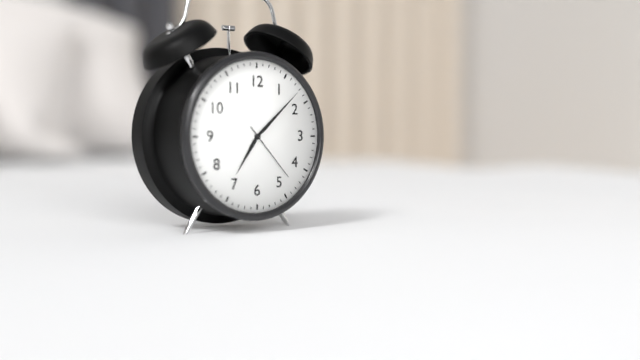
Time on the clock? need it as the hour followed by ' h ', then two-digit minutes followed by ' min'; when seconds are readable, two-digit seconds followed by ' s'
7 h 08 min 23 s
